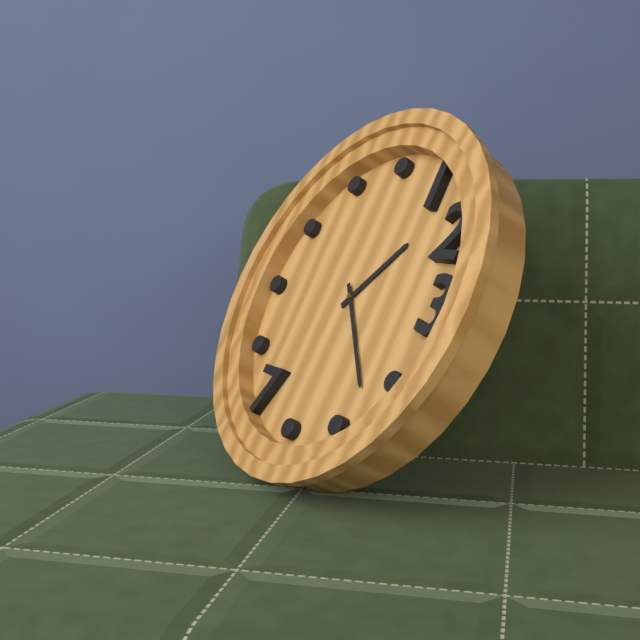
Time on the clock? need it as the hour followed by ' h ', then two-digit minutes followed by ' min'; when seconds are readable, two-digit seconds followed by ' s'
1 h 23 min
